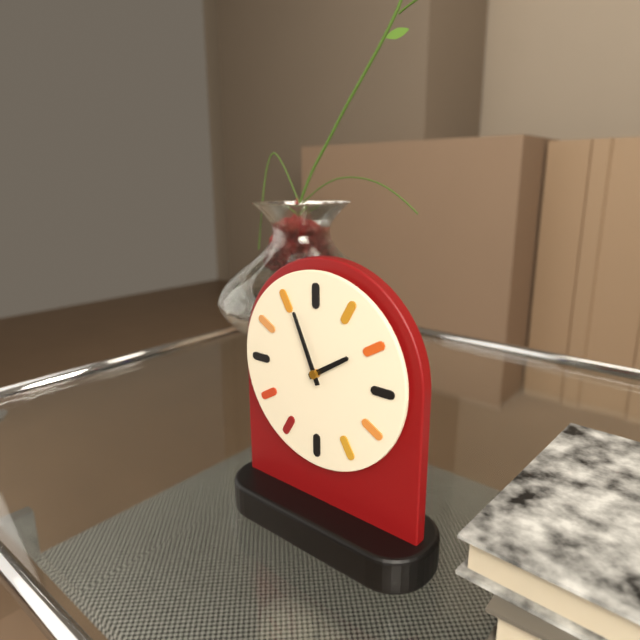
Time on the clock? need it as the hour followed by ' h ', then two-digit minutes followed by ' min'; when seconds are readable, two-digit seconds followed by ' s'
1 h 56 min
